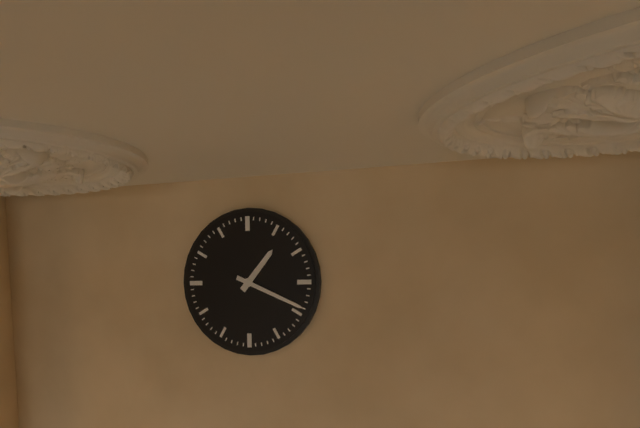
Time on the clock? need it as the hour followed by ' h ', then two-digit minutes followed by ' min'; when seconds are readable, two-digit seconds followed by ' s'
1 h 19 min
